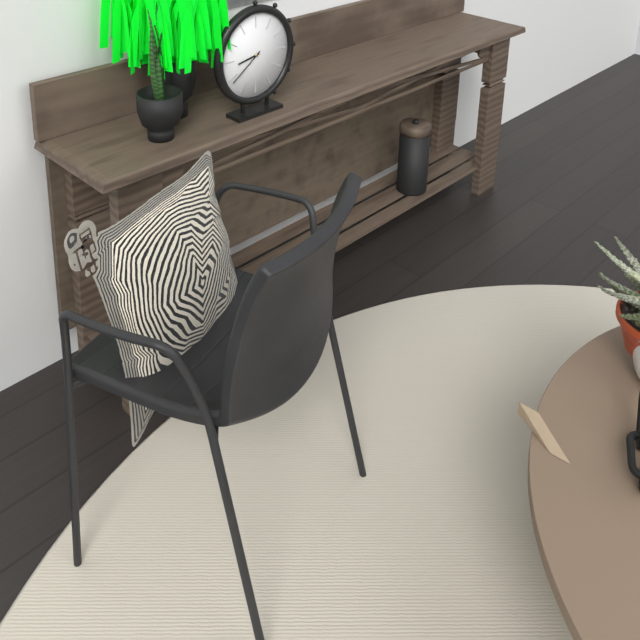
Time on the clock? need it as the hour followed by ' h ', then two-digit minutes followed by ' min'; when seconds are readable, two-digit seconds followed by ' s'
8 h 39 min
